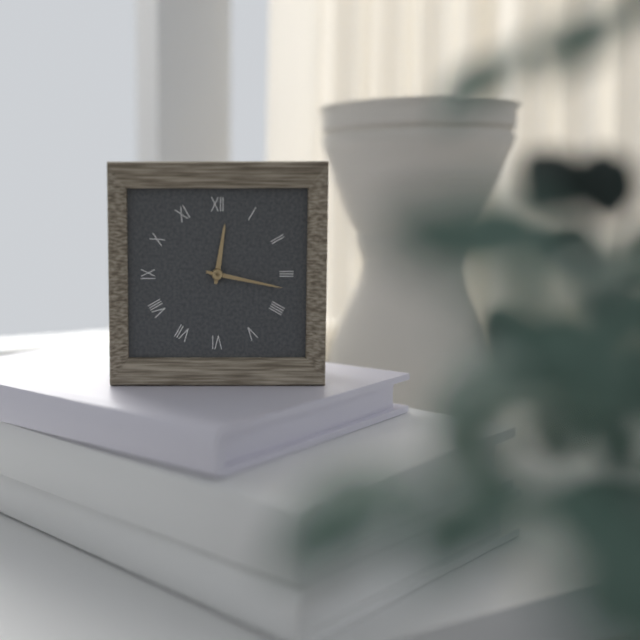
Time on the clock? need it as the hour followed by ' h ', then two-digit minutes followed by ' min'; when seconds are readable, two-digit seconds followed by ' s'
12 h 17 min
